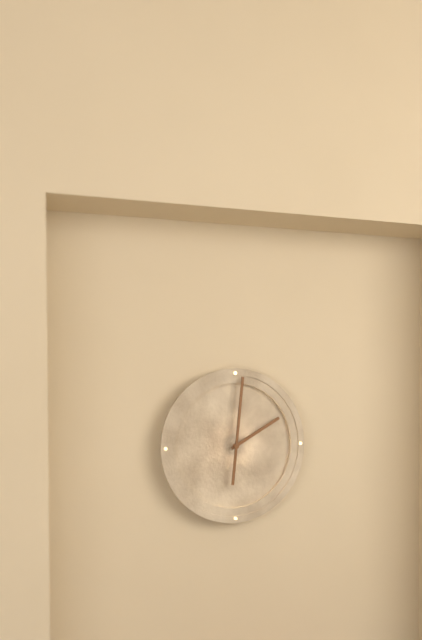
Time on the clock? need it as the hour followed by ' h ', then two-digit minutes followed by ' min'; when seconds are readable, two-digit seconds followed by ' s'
2 h 01 min
